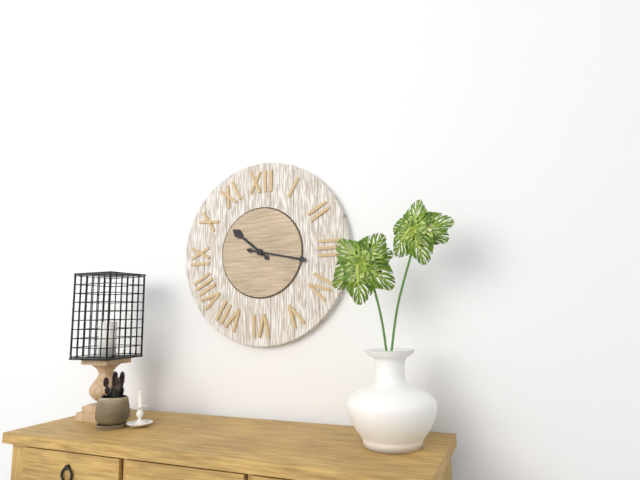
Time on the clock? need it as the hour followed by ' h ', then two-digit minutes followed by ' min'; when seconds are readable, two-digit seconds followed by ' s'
10 h 17 min
